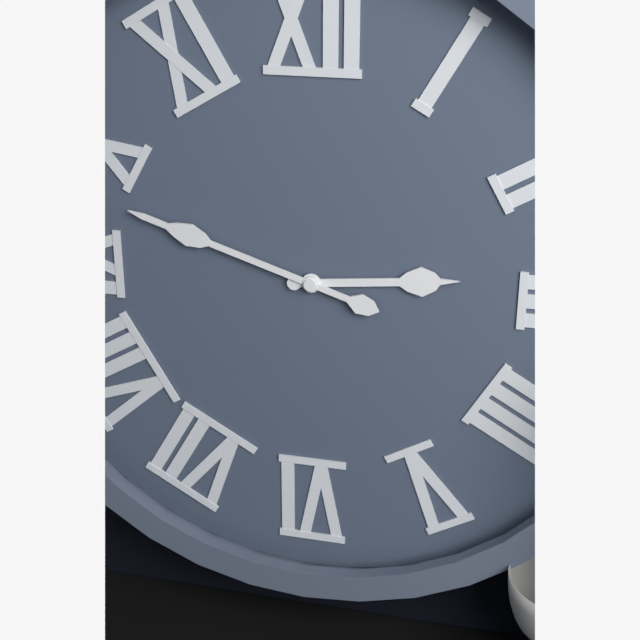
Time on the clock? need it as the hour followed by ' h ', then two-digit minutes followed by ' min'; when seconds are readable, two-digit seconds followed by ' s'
2 h 48 min
